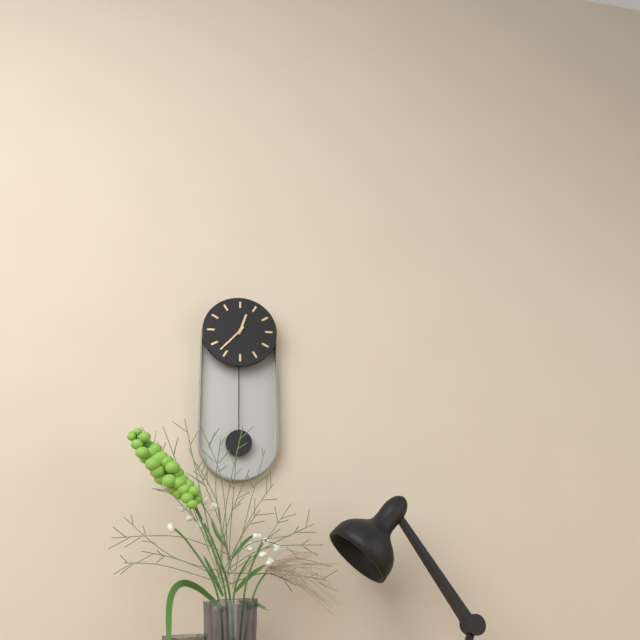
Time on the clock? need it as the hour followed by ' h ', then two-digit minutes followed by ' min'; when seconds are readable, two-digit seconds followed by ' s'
12 h 37 min
